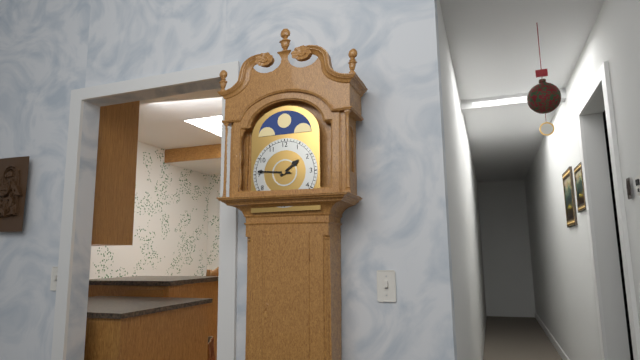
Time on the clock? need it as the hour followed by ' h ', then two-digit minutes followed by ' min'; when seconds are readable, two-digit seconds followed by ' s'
1 h 46 min
